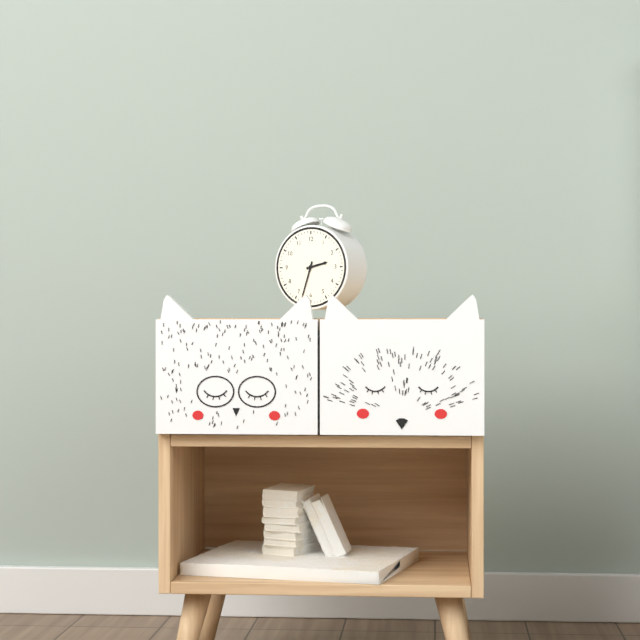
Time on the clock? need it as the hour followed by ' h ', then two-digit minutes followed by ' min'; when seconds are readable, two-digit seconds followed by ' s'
2 h 33 min
